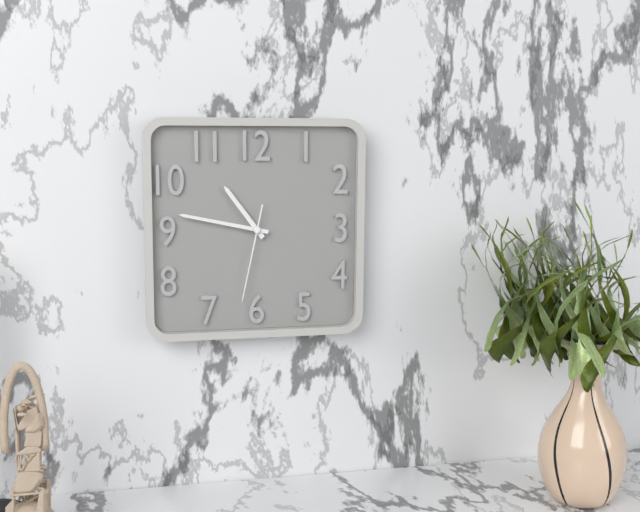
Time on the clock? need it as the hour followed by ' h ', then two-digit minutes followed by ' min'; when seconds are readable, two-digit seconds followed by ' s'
10 h 47 min 32 s
